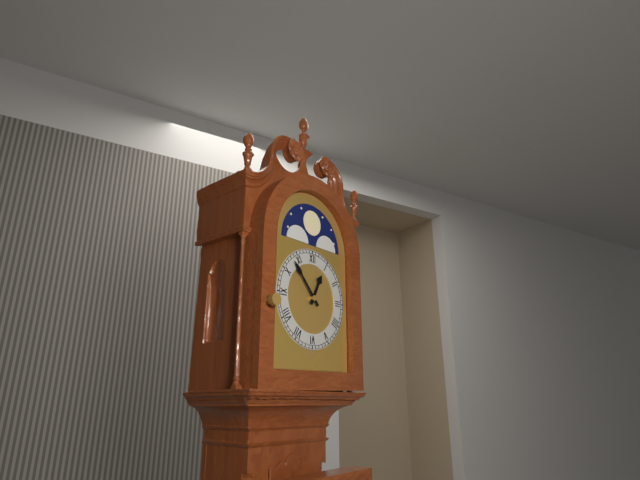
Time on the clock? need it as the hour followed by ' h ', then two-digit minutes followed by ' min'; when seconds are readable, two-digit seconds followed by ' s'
12 h 53 min
